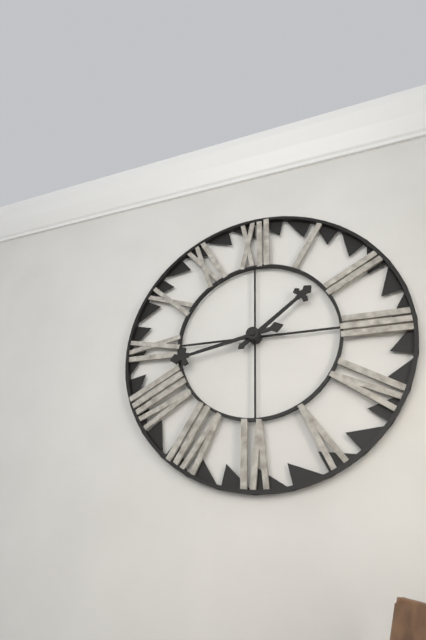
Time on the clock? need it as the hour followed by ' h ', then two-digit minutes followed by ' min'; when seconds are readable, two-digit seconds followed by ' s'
1 h 43 min
